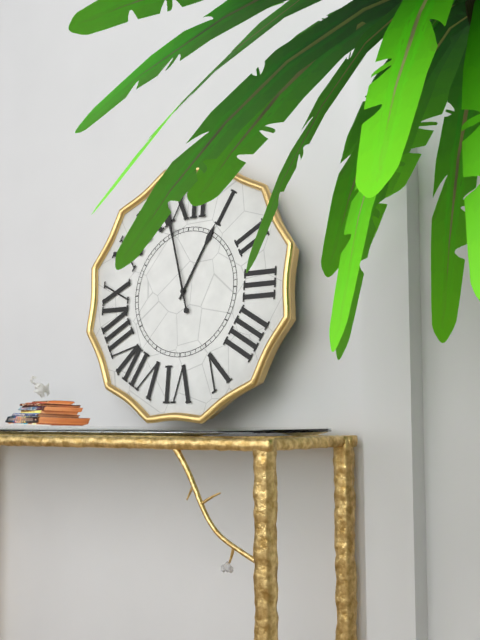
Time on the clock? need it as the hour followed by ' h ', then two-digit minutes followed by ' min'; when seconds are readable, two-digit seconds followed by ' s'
12 h 57 min
